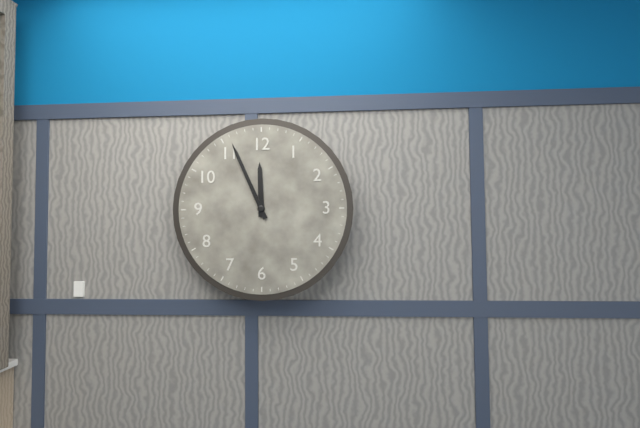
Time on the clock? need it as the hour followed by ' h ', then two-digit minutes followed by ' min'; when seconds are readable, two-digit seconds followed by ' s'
11 h 56 min
